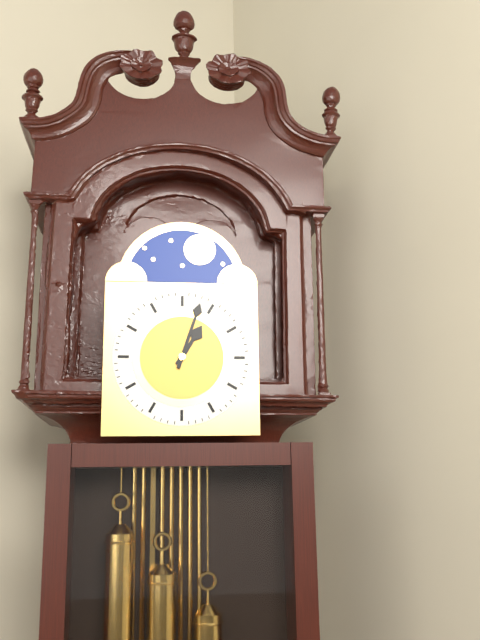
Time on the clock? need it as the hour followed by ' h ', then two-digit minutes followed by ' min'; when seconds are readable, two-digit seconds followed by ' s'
1 h 03 min
